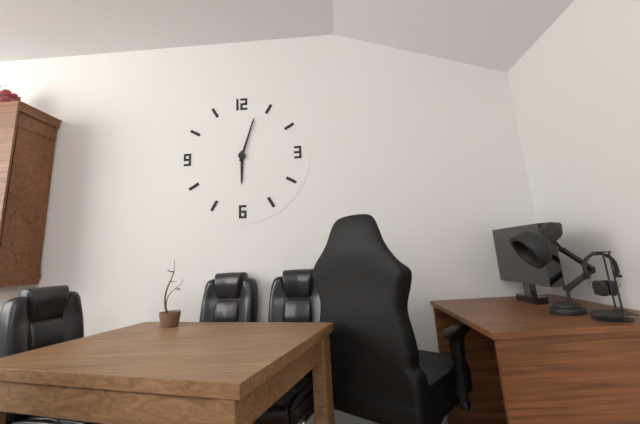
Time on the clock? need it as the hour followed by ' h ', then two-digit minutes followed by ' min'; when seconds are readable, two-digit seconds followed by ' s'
6 h 03 min
